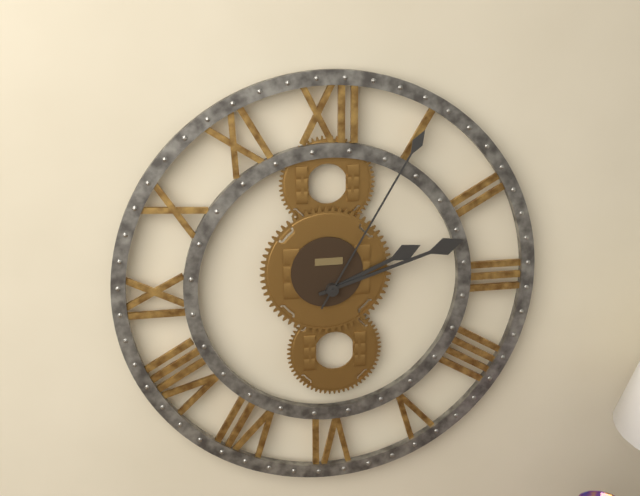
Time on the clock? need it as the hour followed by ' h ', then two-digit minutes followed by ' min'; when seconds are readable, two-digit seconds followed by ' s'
2 h 12 min 05 s
